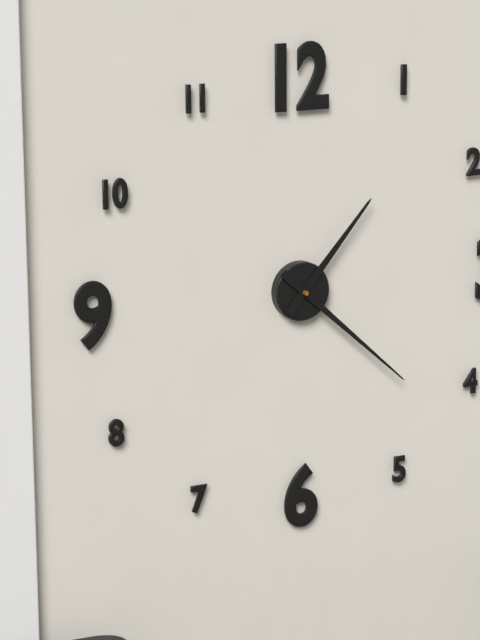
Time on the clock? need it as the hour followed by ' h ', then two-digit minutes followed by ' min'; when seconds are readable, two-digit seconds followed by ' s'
1 h 22 min
